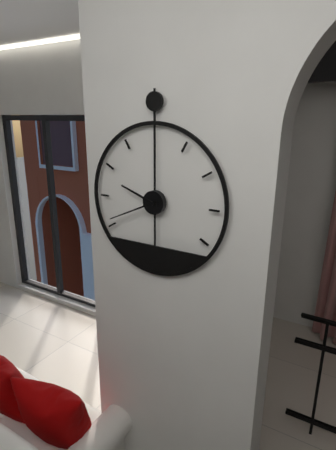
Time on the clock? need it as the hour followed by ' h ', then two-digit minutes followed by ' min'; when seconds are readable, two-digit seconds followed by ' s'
9 h 41 min
